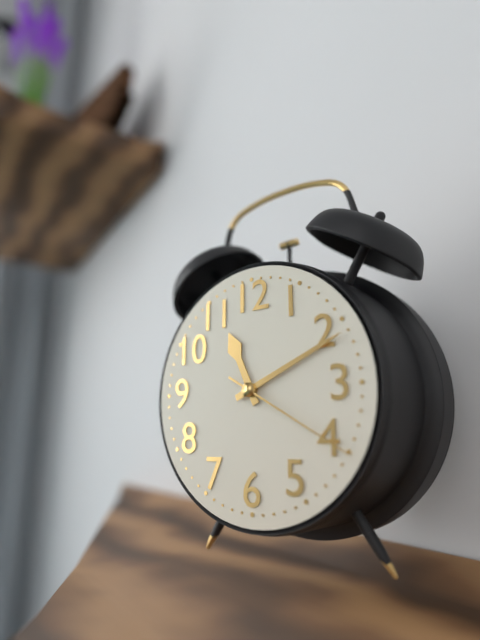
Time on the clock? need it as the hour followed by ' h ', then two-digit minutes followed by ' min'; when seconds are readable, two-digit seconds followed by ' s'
11 h 11 min 20 s
